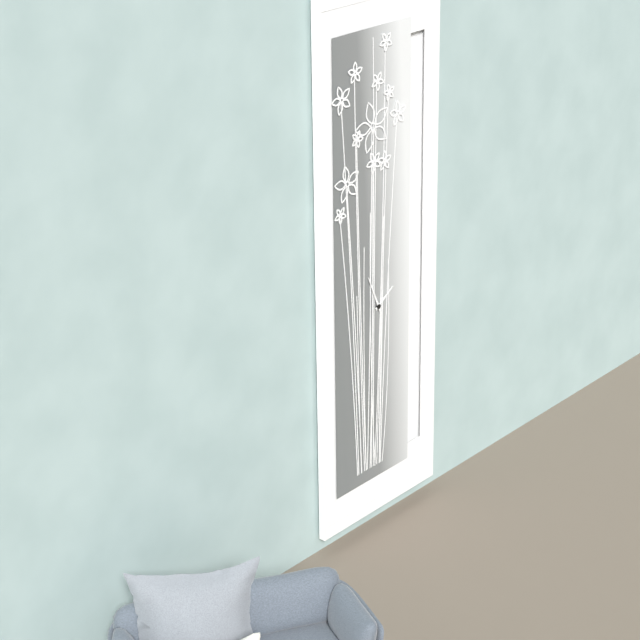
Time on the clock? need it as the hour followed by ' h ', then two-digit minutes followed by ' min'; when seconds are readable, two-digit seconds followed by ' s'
1 h 56 min
